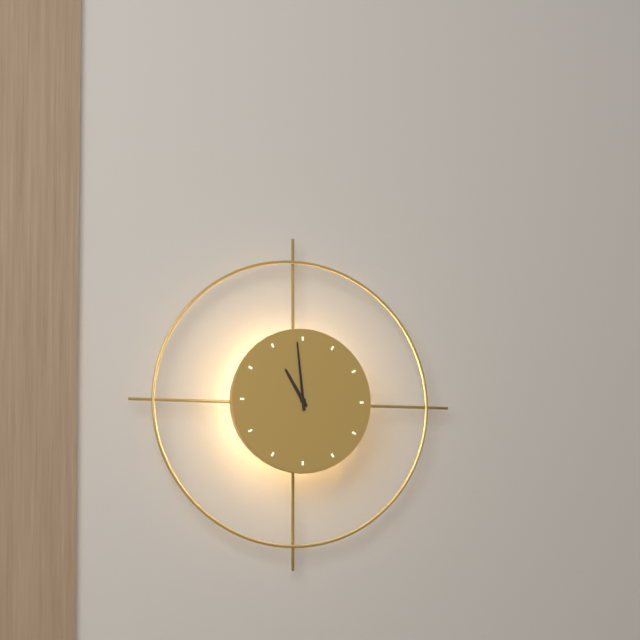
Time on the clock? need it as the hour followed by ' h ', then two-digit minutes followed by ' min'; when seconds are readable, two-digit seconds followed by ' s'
10 h 59 min
